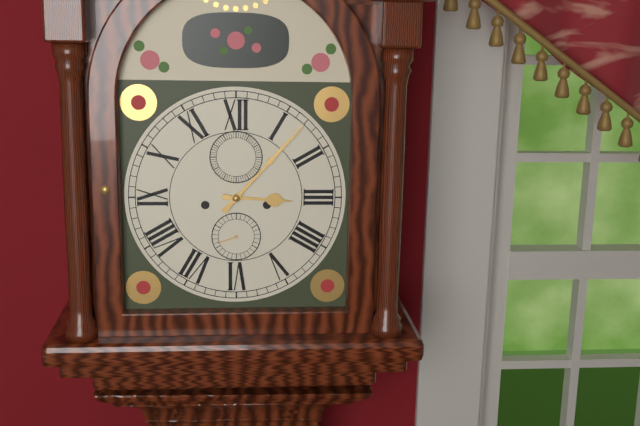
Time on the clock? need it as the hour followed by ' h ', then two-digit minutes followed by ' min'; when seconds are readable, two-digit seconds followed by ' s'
3 h 07 min
